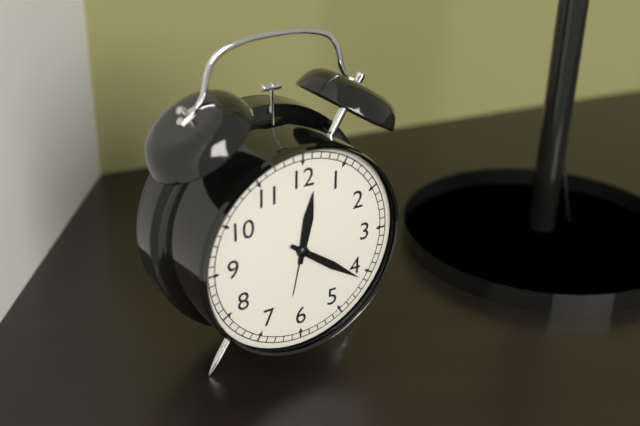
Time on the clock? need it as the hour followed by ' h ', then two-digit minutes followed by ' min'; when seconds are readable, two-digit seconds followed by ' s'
12 h 21 min
